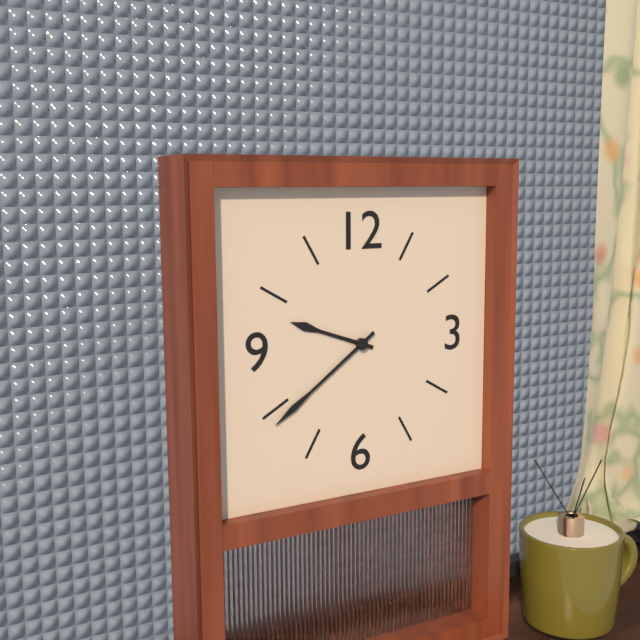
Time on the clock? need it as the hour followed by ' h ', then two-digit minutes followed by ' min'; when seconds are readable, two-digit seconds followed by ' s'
9 h 39 min
